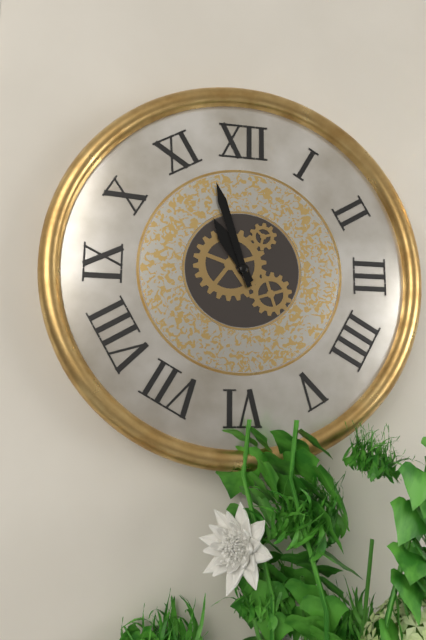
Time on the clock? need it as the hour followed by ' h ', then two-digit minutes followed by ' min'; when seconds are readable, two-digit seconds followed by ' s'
10 h 57 min
